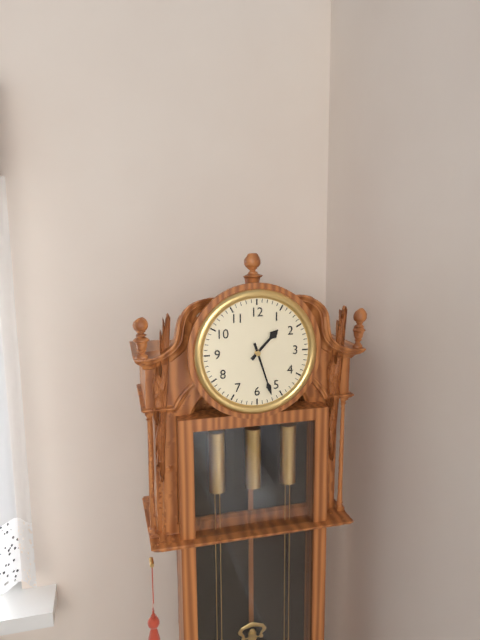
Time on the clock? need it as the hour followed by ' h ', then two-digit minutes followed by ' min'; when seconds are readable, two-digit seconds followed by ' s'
1 h 27 min
